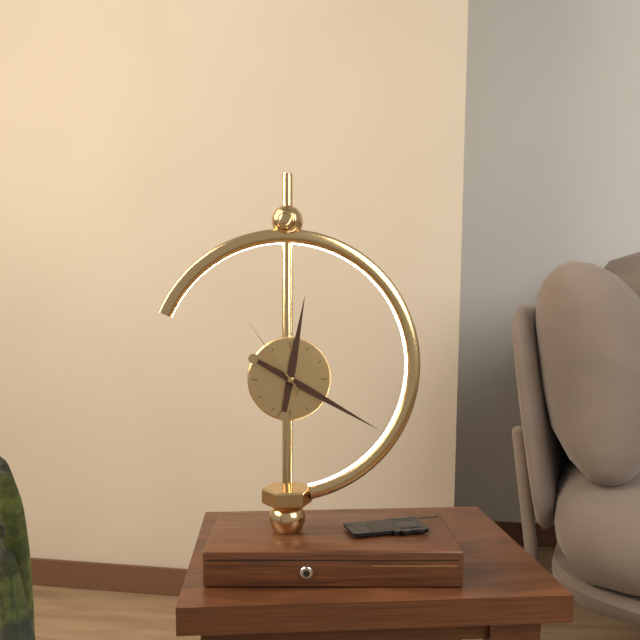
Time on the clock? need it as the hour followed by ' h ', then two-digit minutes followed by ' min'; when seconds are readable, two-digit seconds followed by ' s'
12 h 20 min 54 s
